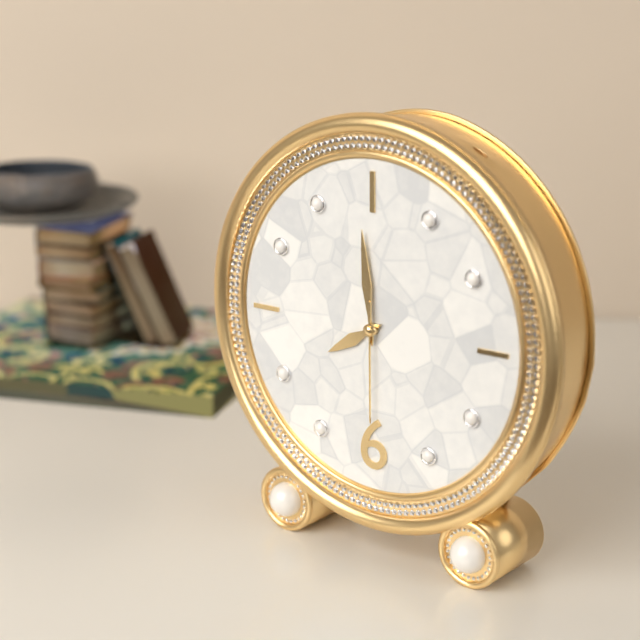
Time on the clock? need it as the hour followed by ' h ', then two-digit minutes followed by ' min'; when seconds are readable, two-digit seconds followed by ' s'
7 h 59 min 30 s
